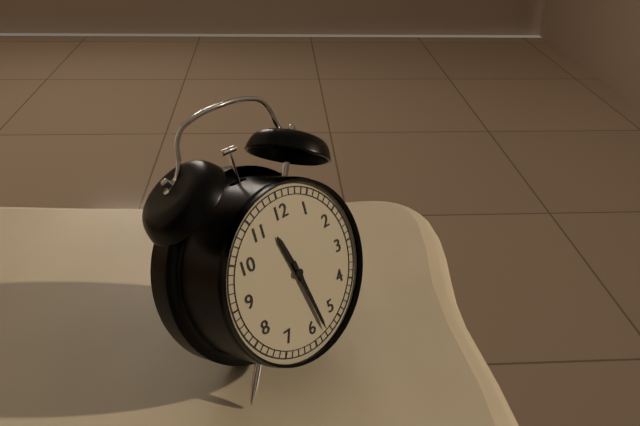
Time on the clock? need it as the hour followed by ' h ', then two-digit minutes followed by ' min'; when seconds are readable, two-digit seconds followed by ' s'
11 h 28 min
